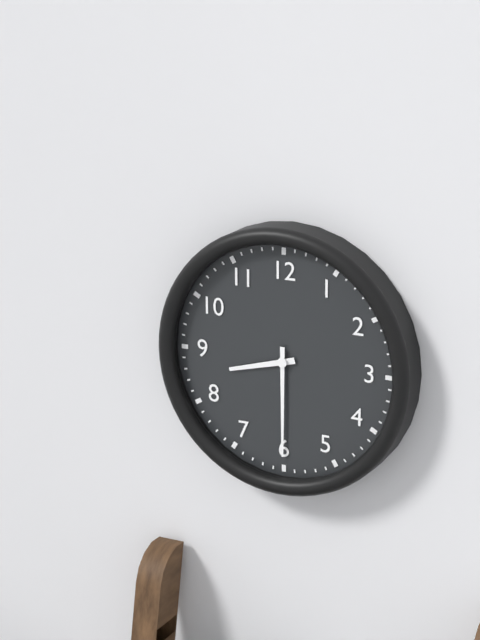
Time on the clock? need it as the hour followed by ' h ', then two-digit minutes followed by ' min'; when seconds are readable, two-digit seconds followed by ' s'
8 h 30 min
